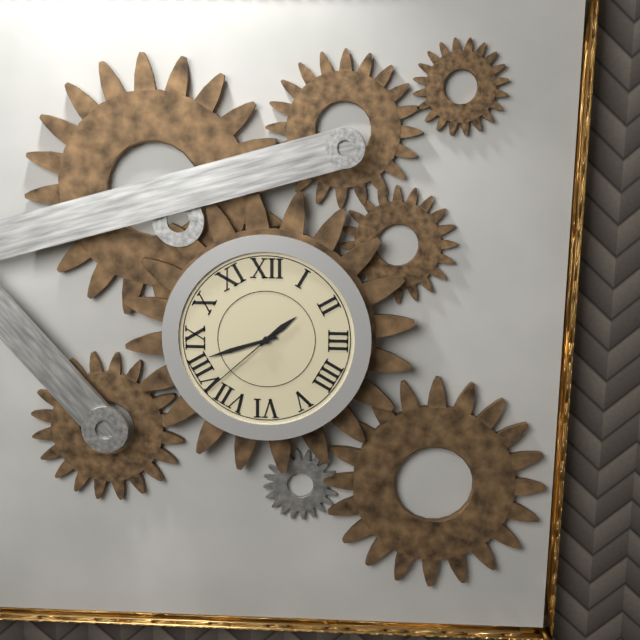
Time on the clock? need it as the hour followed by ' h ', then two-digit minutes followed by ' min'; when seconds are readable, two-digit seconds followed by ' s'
1 h 42 min 38 s
